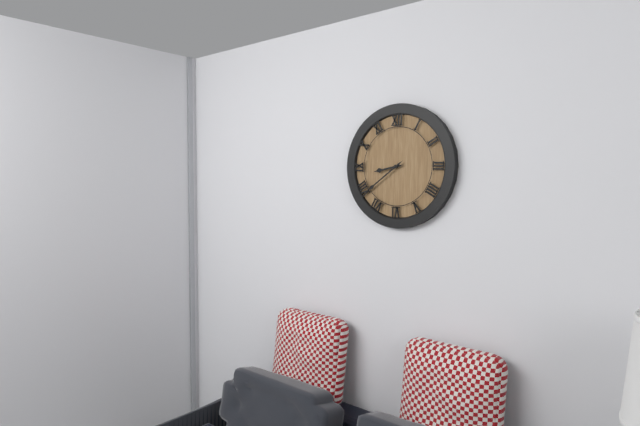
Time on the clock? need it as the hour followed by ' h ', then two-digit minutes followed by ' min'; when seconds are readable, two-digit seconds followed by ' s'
8 h 39 min
